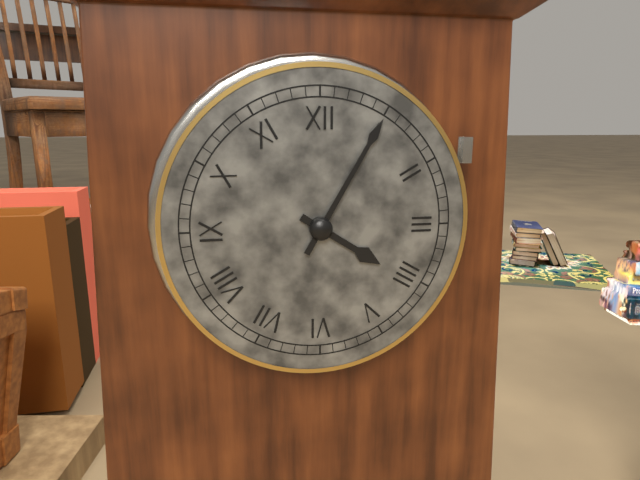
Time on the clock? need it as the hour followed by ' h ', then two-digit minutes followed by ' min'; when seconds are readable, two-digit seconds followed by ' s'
4 h 05 min
